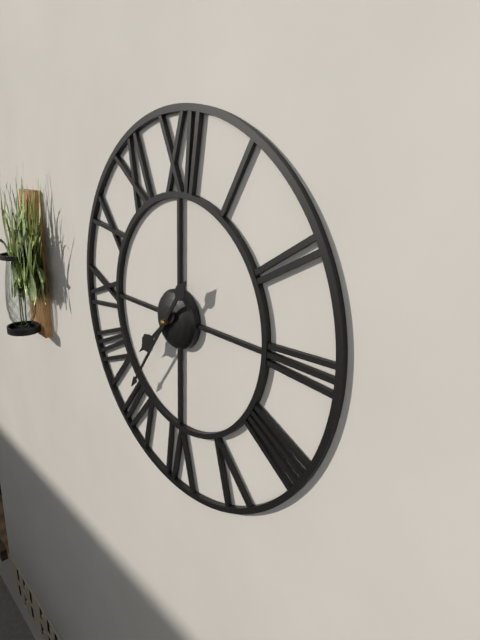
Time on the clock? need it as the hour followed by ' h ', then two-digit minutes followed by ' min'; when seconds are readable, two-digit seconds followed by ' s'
7 h 36 min
